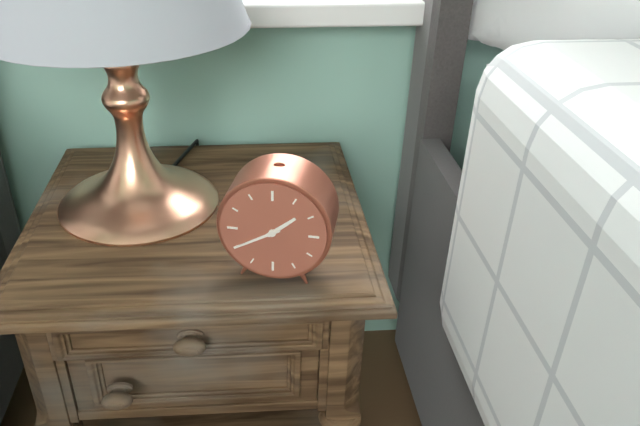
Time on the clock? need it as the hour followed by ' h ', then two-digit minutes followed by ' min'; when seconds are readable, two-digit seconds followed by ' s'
1 h 40 min
